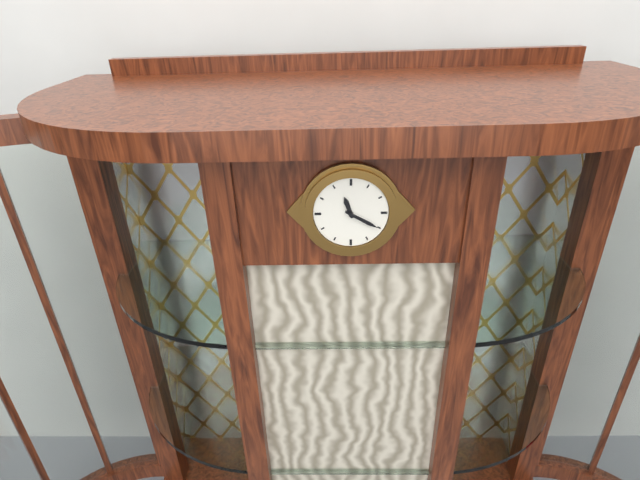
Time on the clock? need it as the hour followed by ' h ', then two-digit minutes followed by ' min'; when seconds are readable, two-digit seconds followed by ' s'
11 h 20 min
